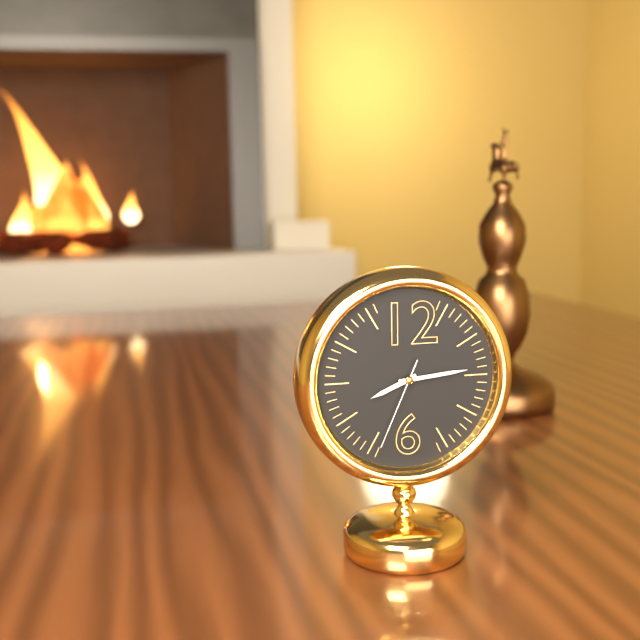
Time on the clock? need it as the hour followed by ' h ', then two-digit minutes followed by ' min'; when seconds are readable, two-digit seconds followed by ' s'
8 h 14 min 34 s
